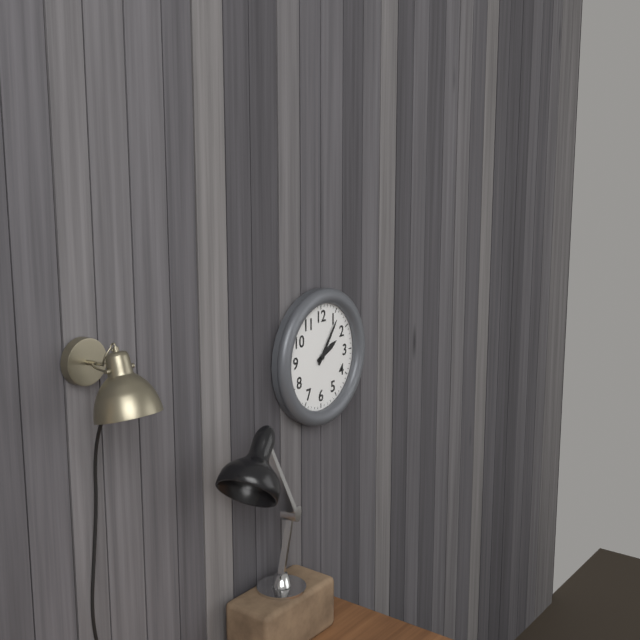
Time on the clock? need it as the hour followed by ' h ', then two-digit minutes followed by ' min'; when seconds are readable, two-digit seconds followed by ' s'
2 h 06 min
